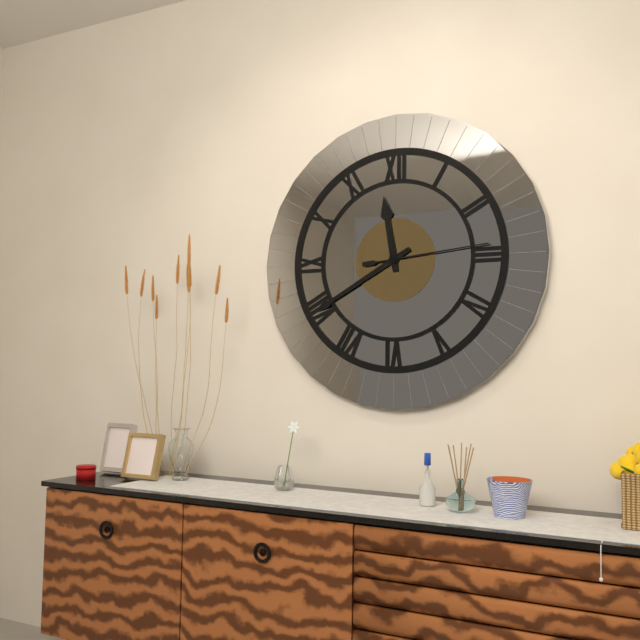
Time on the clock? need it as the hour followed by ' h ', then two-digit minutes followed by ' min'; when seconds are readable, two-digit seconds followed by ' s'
11 h 40 min 14 s
